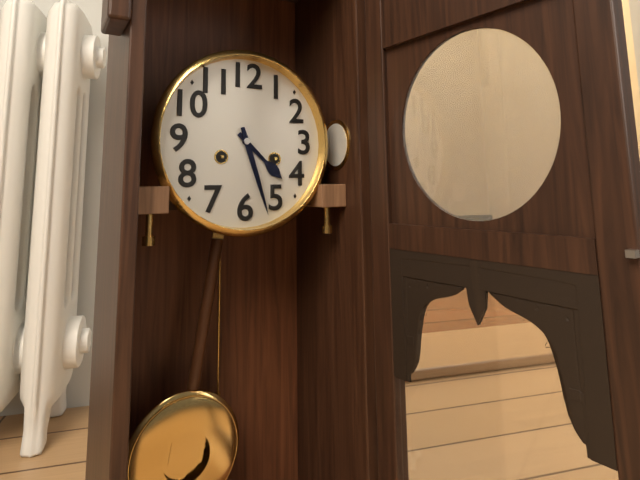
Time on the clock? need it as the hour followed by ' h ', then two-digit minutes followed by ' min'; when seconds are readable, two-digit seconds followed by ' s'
4 h 27 min
